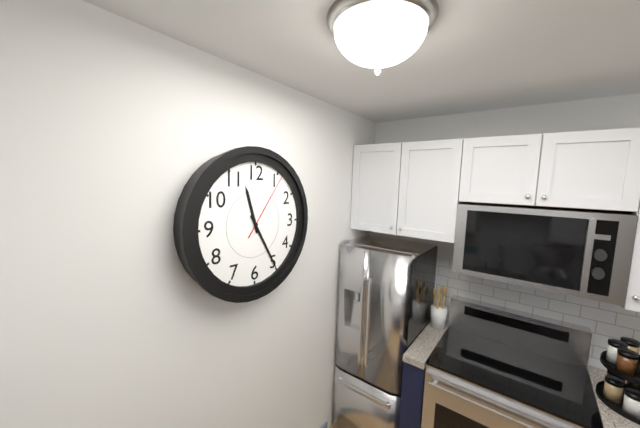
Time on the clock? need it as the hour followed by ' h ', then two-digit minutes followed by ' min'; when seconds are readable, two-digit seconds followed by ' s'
11 h 25 min 06 s
